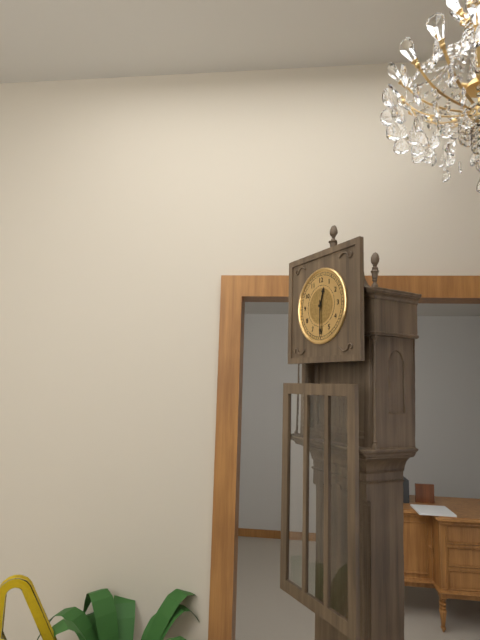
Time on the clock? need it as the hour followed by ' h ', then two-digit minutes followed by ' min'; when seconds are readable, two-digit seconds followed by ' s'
12 h 30 min
